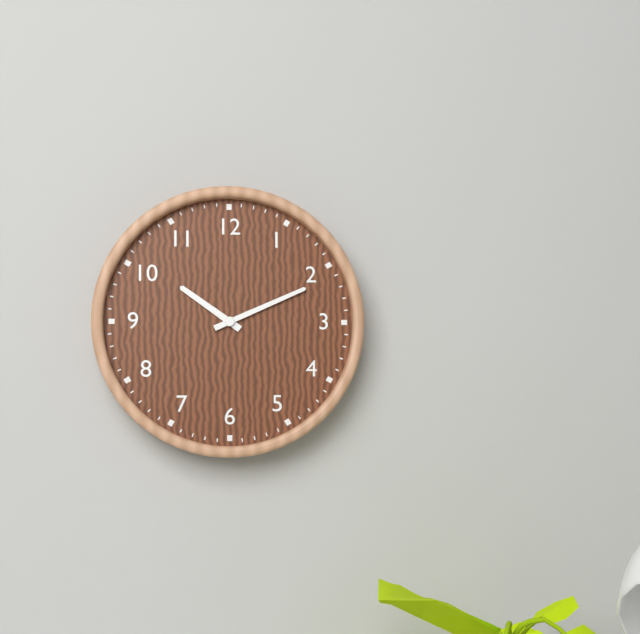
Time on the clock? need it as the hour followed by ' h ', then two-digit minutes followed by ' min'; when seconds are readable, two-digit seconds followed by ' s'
10 h 11 min
